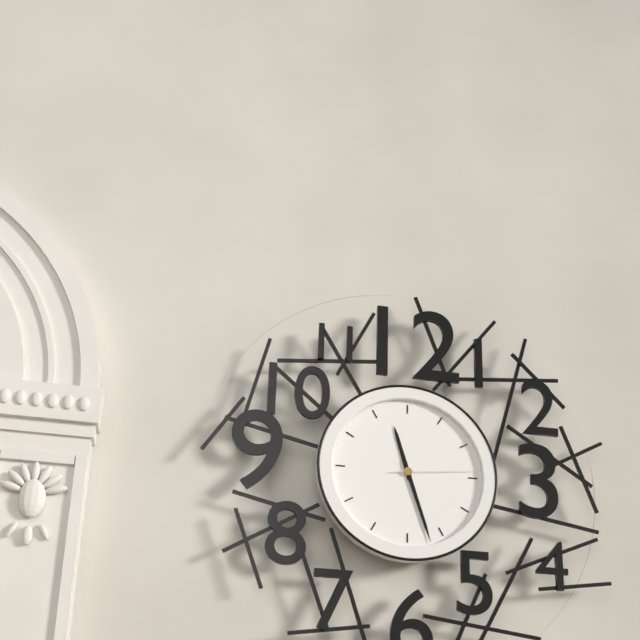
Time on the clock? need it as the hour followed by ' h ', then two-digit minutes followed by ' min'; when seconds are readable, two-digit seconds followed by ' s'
11 h 27 min 14 s
